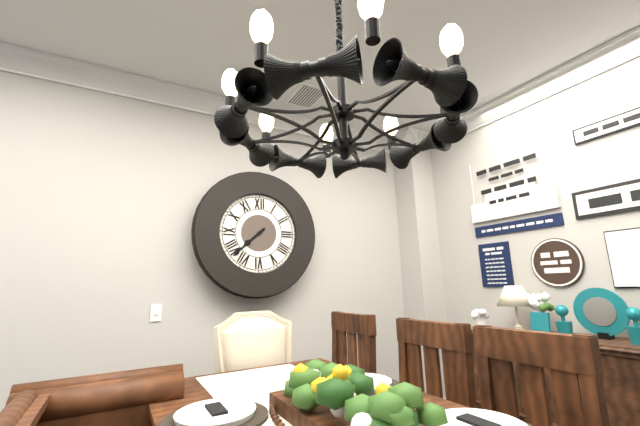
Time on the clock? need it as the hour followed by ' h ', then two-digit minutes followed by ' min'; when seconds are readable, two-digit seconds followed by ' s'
7 h 38 min
